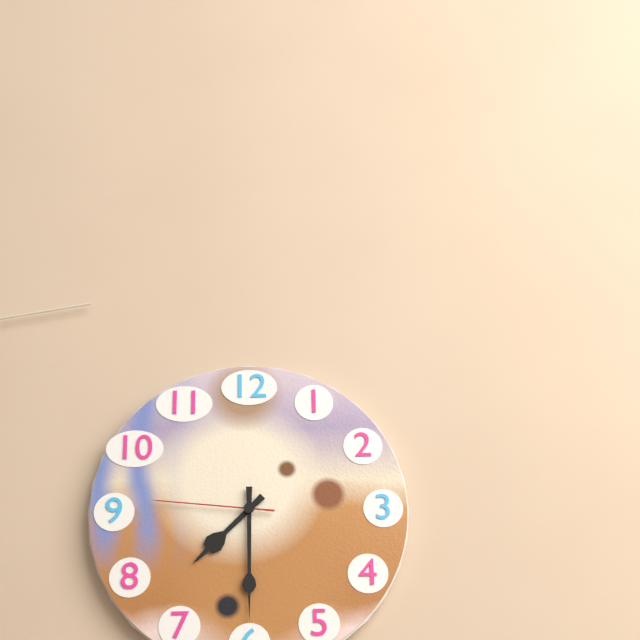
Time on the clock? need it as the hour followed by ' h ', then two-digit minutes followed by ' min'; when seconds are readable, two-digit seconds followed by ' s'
7 h 30 min 46 s
